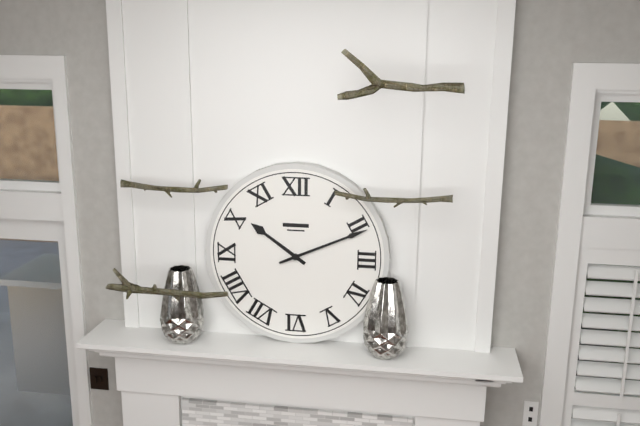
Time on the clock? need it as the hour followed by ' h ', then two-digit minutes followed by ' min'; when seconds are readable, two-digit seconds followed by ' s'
10 h 11 min
